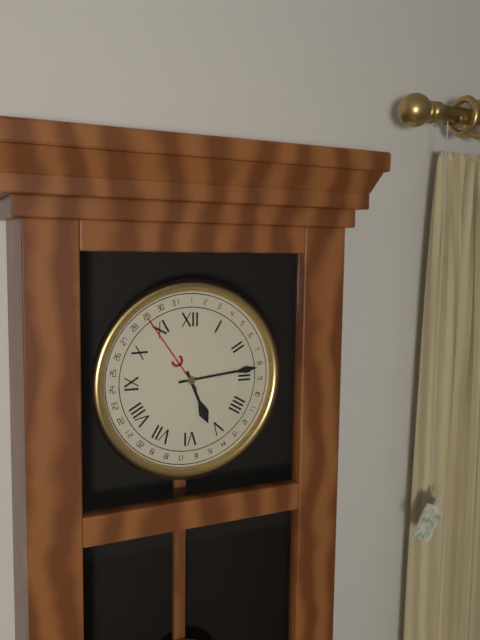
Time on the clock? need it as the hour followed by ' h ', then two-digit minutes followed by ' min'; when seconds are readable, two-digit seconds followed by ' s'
5 h 14 min
